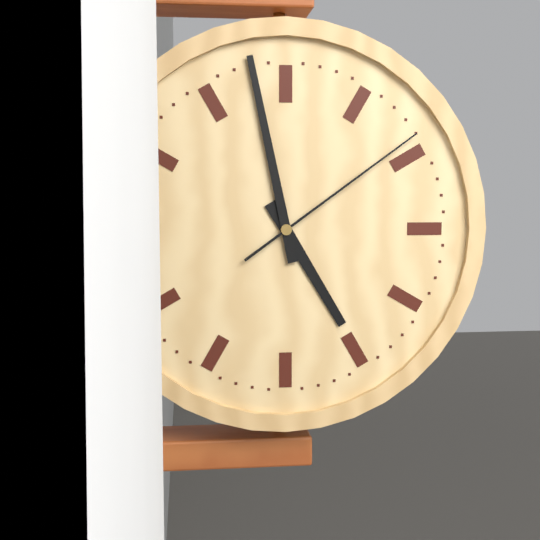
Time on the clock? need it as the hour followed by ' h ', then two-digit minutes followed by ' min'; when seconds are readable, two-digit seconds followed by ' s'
4 h 58 min 09 s
